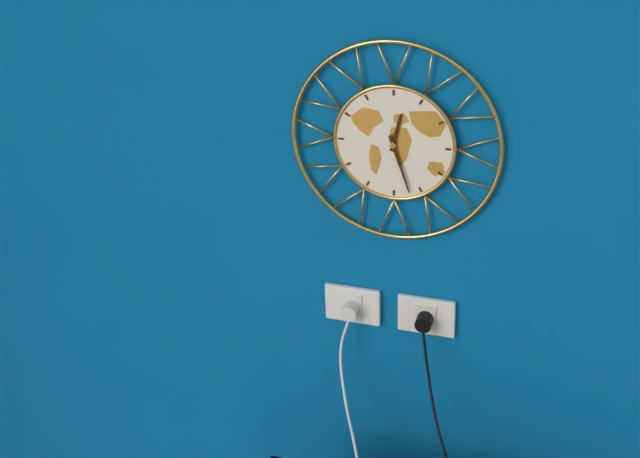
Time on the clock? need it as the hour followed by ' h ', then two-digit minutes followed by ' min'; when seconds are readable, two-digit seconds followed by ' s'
12 h 27 min
